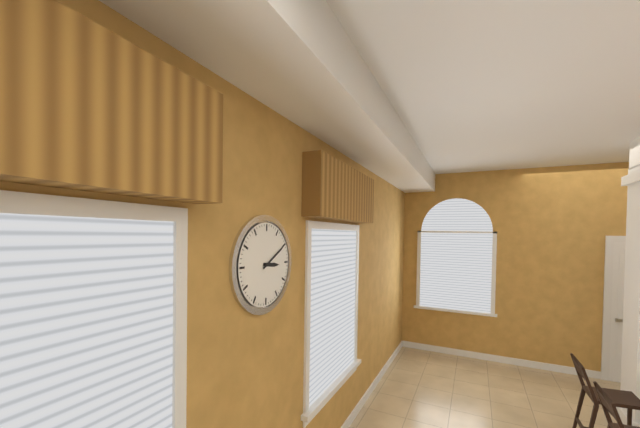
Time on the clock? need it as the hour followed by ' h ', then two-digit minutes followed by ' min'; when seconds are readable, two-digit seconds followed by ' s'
3 h 10 min
